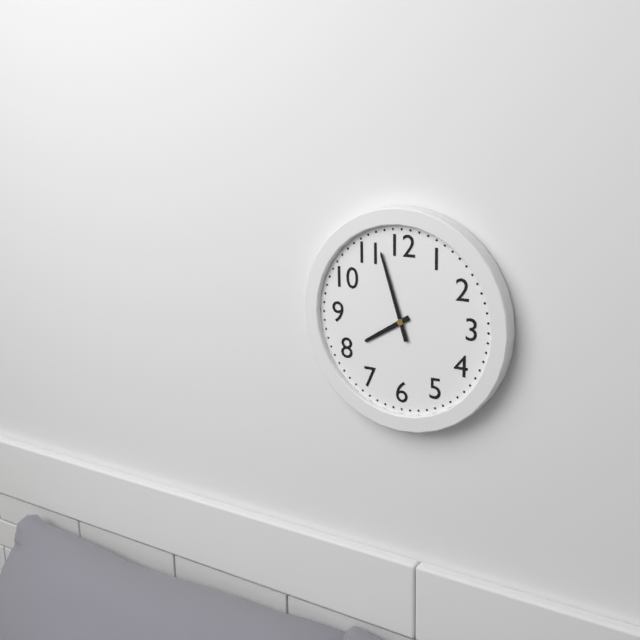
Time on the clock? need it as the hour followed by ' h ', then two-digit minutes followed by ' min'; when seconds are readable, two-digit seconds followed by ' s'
7 h 57 min
